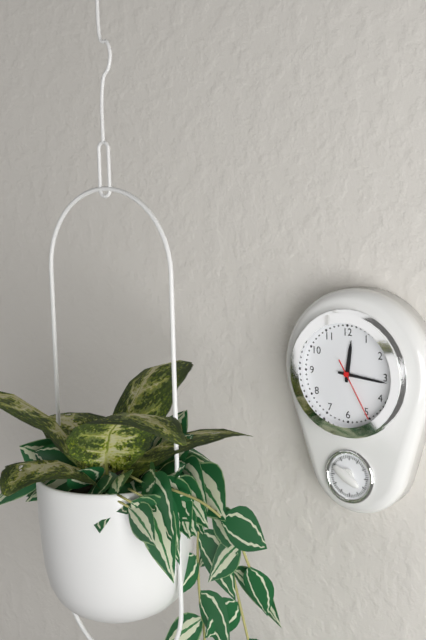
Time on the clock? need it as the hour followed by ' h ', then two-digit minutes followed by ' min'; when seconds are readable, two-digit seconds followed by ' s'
12 h 16 min 25 s
